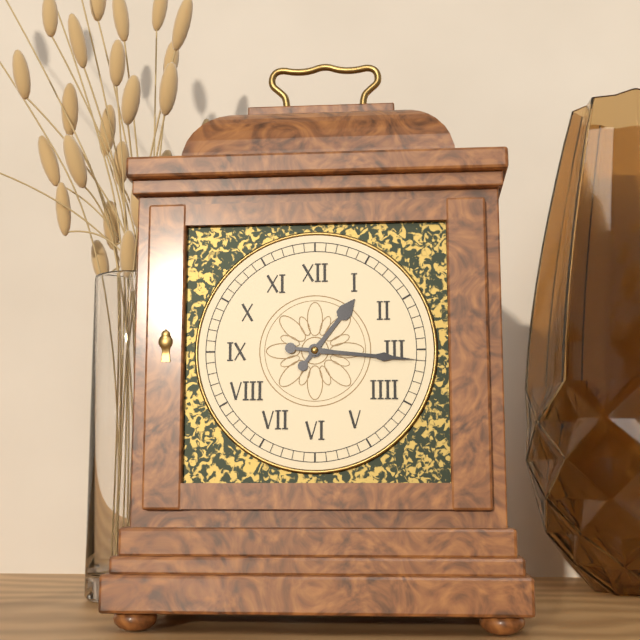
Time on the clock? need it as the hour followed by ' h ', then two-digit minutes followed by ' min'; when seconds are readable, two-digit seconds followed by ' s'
1 h 16 min
